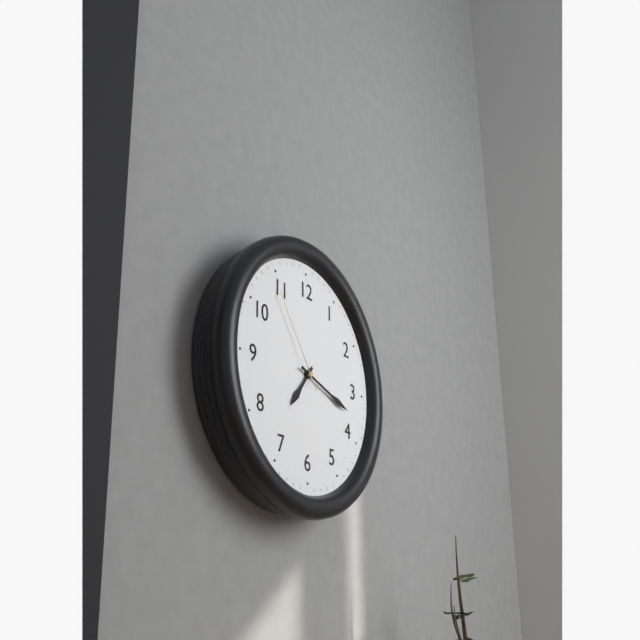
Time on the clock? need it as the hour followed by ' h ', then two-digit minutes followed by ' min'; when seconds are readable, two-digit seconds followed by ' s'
7 h 18 min 54 s
